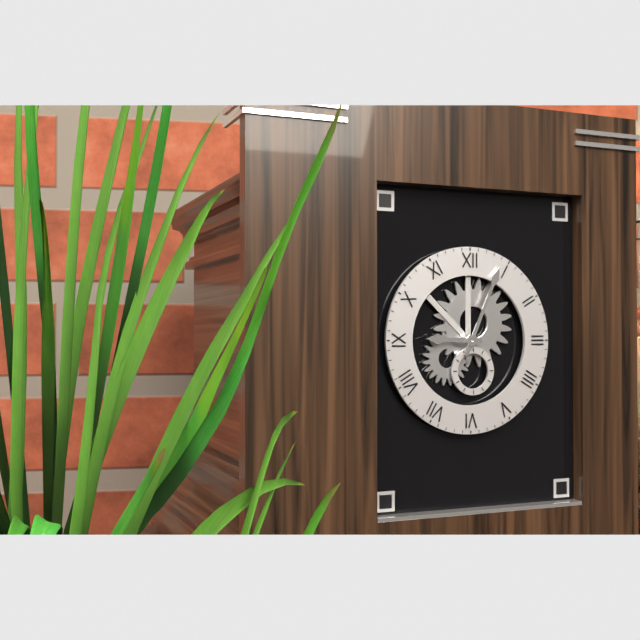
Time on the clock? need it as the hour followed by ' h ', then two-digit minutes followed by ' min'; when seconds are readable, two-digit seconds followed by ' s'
9 h 04 min
